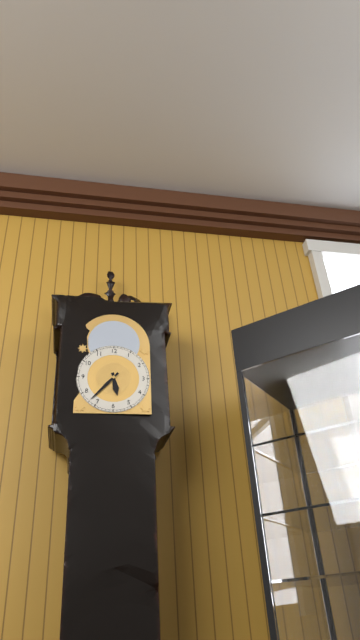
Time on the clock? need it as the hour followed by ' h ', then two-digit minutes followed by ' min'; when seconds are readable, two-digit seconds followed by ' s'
5 h 37 min
